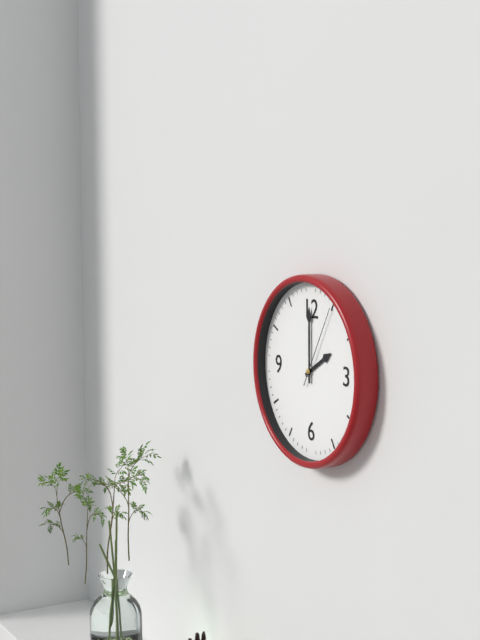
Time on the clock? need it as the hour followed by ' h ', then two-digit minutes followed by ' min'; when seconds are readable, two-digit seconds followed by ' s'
2 h 00 min 05 s
